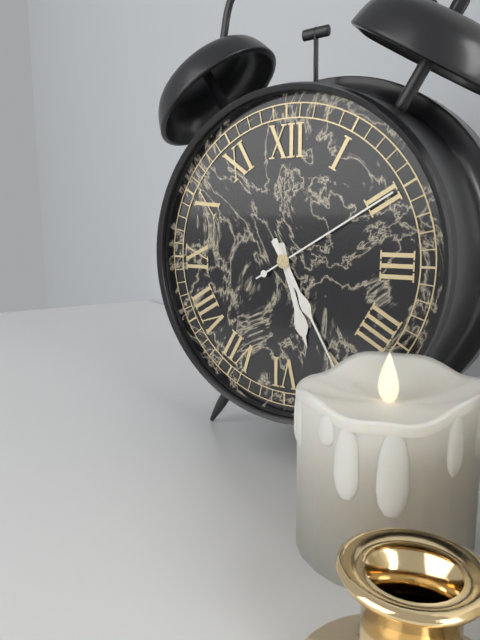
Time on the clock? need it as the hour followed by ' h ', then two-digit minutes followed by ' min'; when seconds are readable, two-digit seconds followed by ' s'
5 h 25 min 10 s
